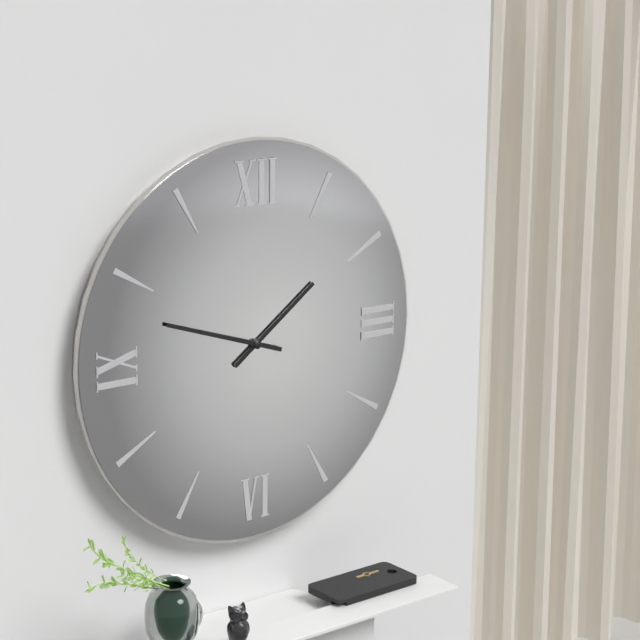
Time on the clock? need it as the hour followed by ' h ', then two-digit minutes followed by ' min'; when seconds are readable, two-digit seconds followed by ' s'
1 h 48 min
